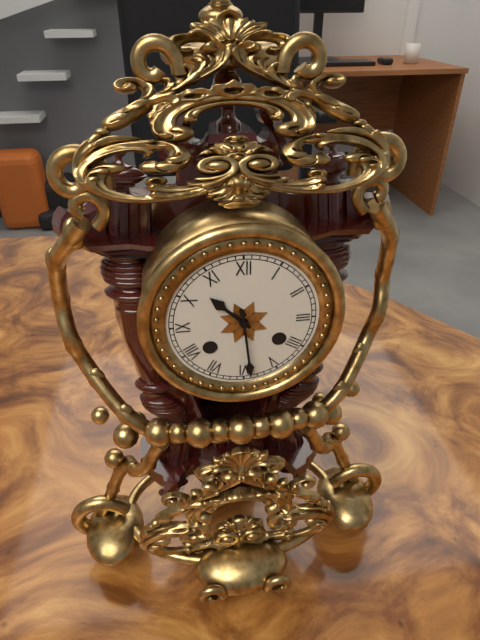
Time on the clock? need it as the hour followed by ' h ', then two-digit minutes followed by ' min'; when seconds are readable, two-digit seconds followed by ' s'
10 h 29 min
